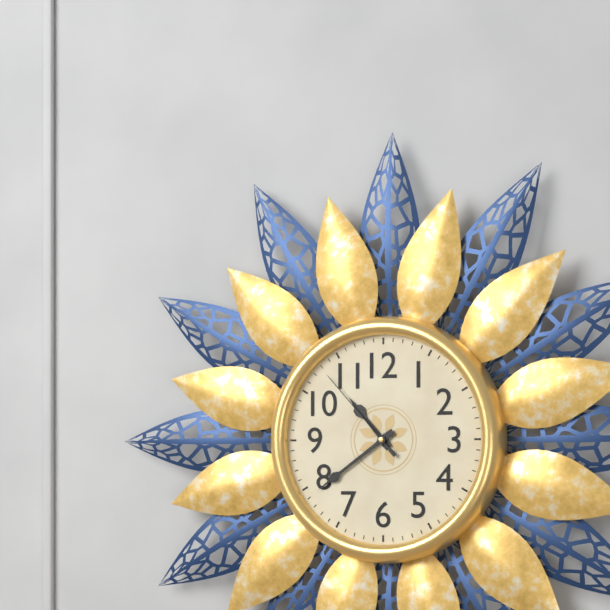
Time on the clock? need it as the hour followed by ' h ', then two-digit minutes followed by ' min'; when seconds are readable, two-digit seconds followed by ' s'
10 h 39 min 53 s
